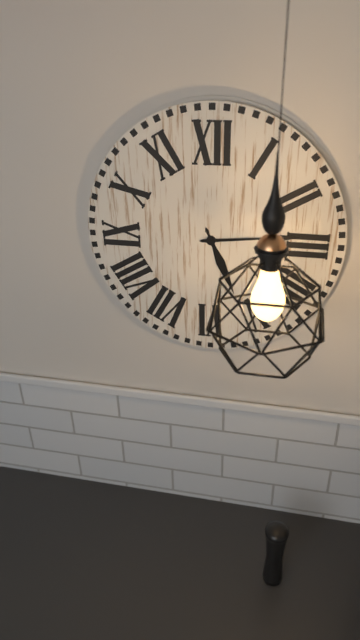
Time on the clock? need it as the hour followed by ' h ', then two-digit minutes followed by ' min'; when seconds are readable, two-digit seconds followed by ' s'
5 h 14 min
